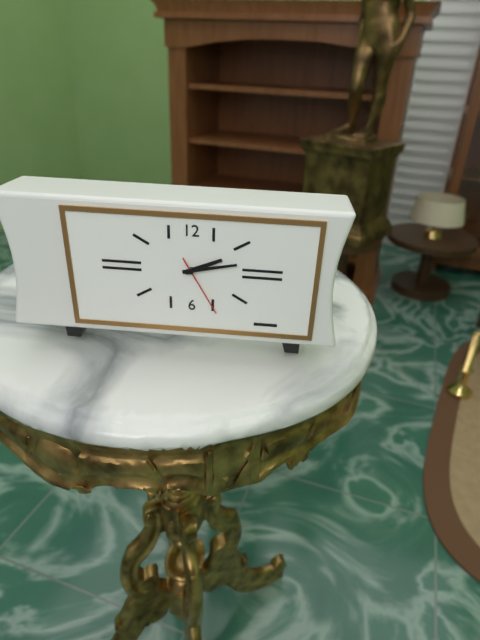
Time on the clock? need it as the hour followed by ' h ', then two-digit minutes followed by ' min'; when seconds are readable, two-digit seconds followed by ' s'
2 h 13 min 25 s
